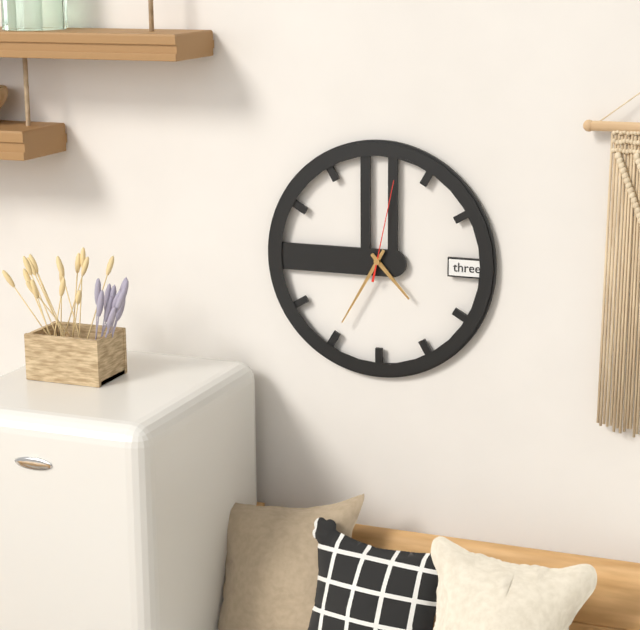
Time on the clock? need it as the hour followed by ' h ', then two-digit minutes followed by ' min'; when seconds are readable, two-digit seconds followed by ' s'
4 h 35 min 02 s
